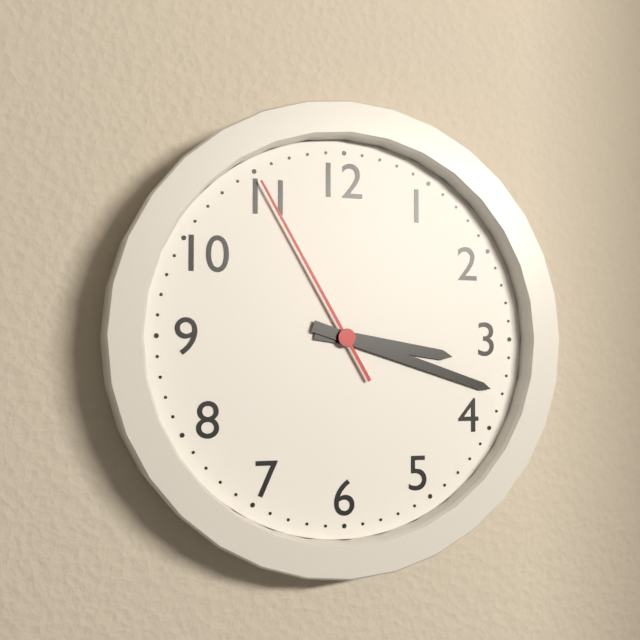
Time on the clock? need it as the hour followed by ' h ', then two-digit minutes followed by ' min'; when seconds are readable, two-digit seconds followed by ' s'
3 h 18 min 55 s
